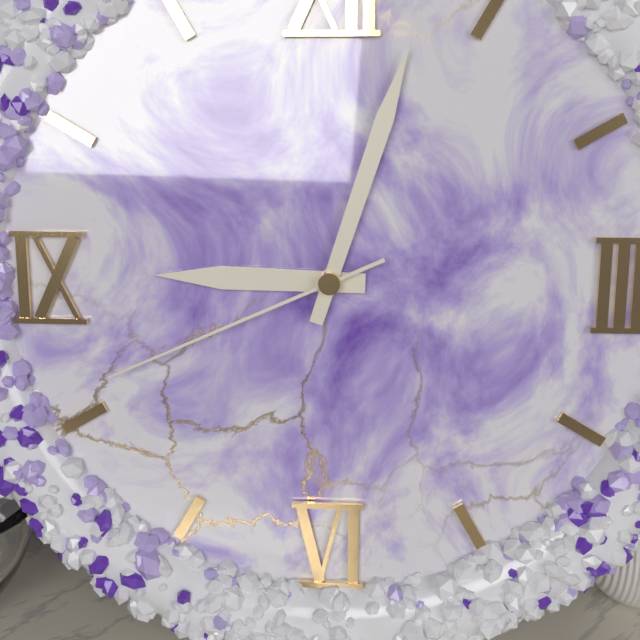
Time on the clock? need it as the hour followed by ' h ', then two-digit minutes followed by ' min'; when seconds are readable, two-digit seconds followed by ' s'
9 h 03 min 41 s
